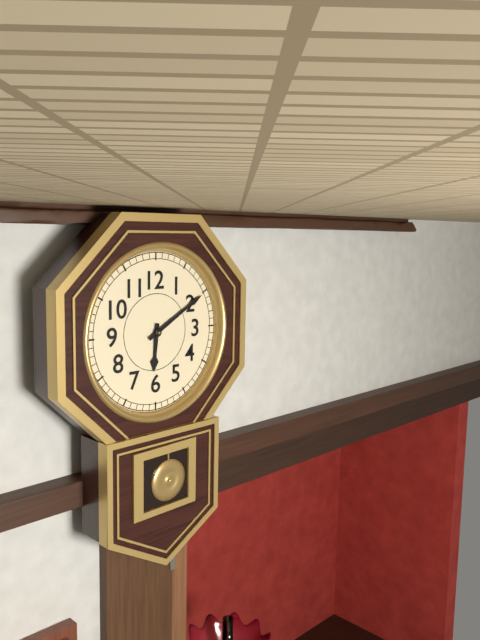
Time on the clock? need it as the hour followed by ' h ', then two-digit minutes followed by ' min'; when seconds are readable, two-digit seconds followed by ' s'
6 h 10 min
